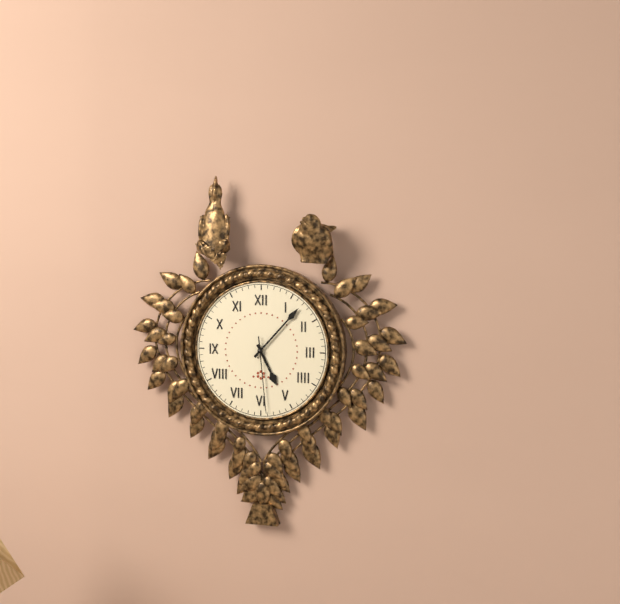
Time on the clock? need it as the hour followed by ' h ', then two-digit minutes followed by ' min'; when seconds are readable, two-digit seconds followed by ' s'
5 h 07 min 29 s
